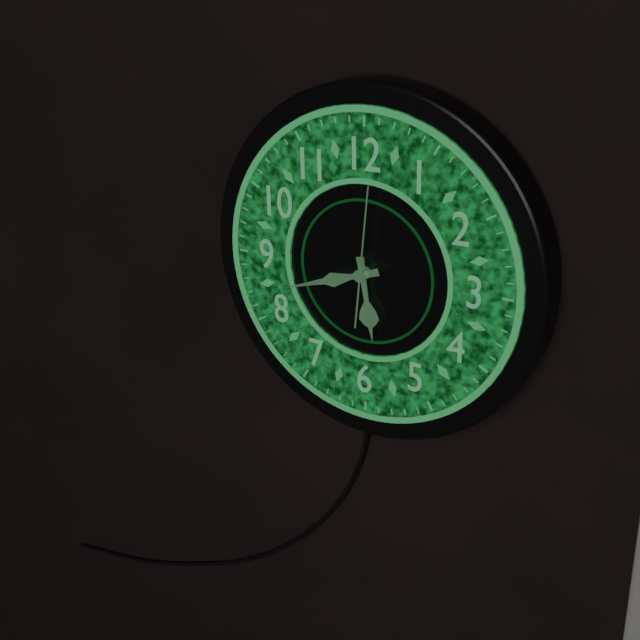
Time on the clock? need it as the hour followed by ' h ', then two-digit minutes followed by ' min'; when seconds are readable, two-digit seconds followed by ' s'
5 h 42 min 01 s
